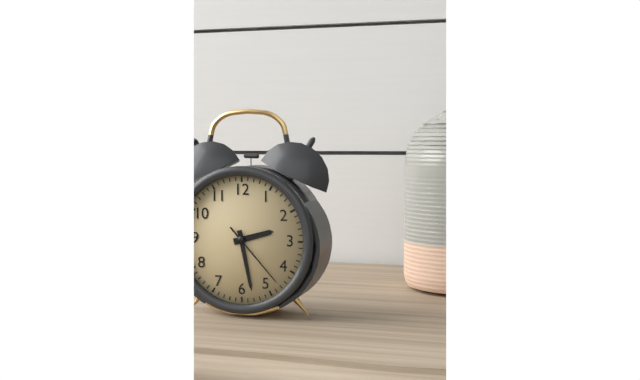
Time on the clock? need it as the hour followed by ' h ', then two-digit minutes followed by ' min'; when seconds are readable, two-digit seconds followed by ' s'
2 h 28 min 23 s
